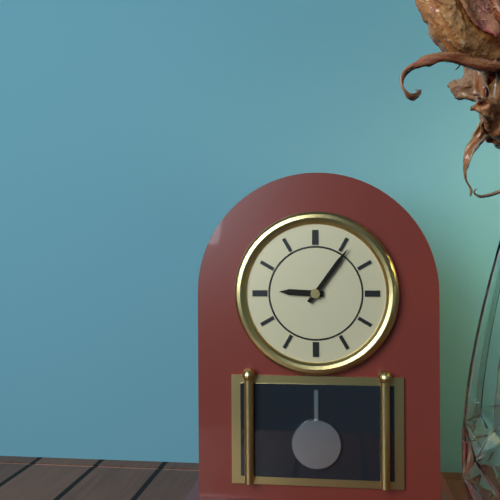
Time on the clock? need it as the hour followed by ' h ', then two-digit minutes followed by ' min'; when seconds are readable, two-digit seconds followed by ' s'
9 h 06 min
